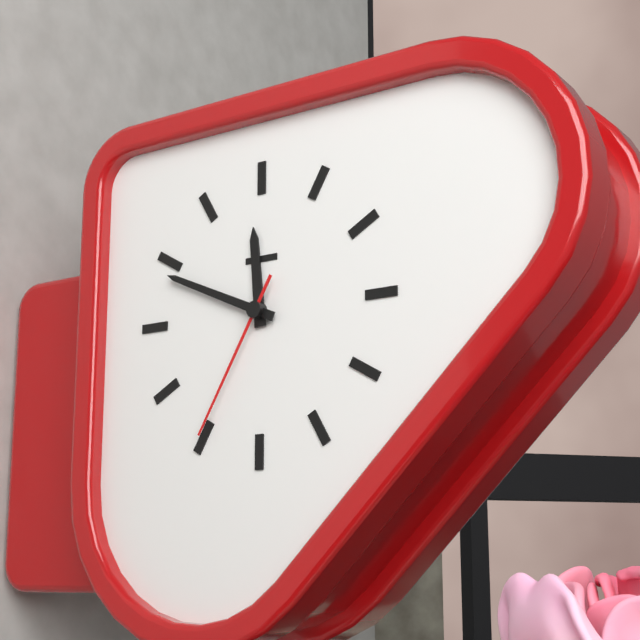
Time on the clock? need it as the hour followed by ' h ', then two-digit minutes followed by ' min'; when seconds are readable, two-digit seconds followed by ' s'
11 h 49 min 35 s
